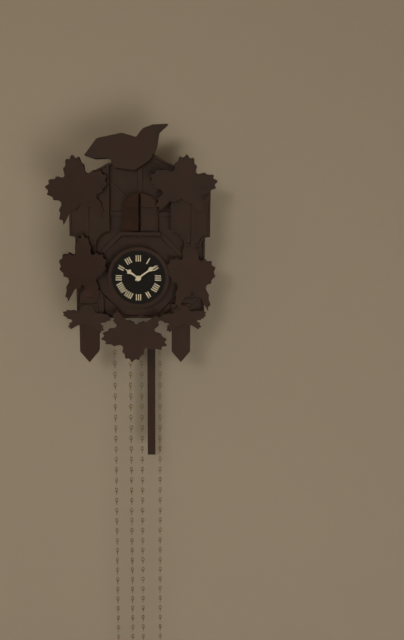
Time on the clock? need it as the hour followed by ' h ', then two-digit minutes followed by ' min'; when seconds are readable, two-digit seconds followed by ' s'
10 h 09 min
